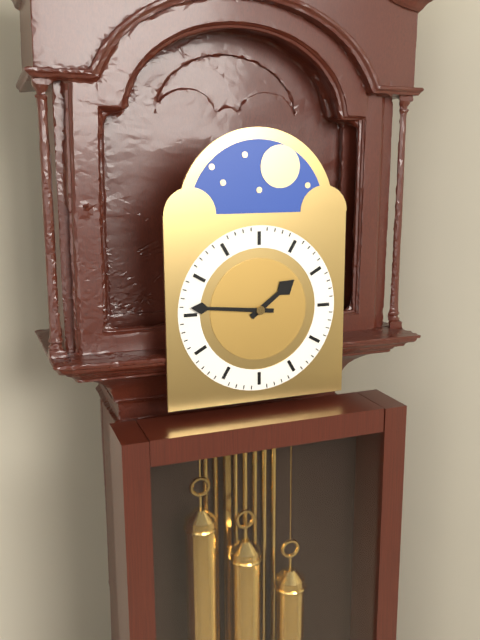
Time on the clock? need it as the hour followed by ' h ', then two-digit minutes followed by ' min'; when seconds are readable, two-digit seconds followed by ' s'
1 h 46 min
